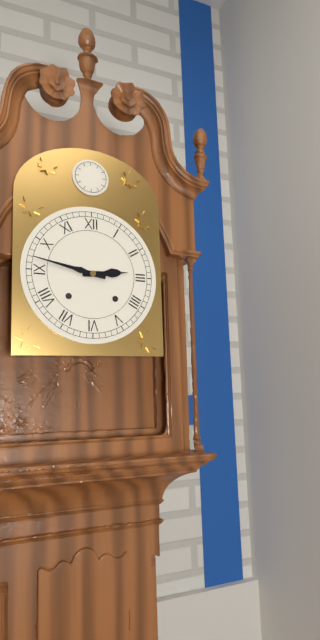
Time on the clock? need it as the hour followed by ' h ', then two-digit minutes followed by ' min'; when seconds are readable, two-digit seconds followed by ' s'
2 h 47 min
